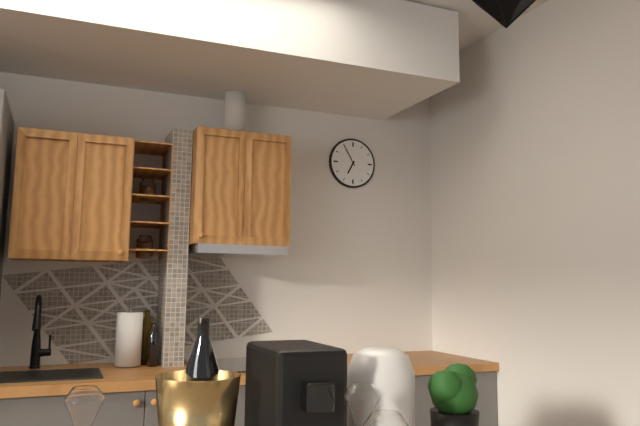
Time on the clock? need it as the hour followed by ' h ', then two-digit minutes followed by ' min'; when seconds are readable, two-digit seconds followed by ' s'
6 h 55 min
